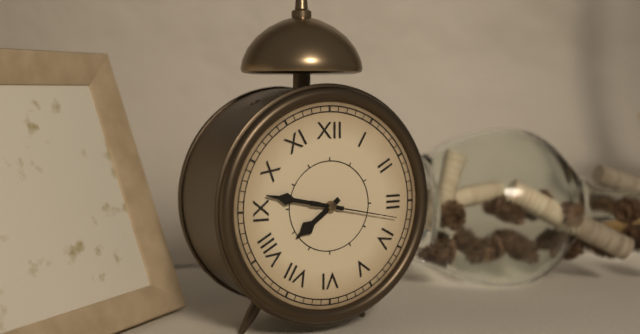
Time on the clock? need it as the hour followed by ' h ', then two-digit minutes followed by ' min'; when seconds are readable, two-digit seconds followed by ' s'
7 h 47 min 17 s
